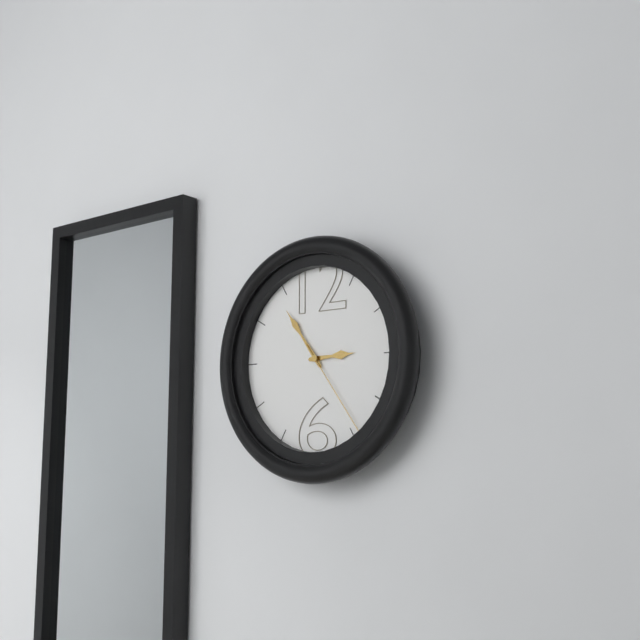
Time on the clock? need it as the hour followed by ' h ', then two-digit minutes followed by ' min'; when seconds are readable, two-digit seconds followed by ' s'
2 h 54 min 24 s
